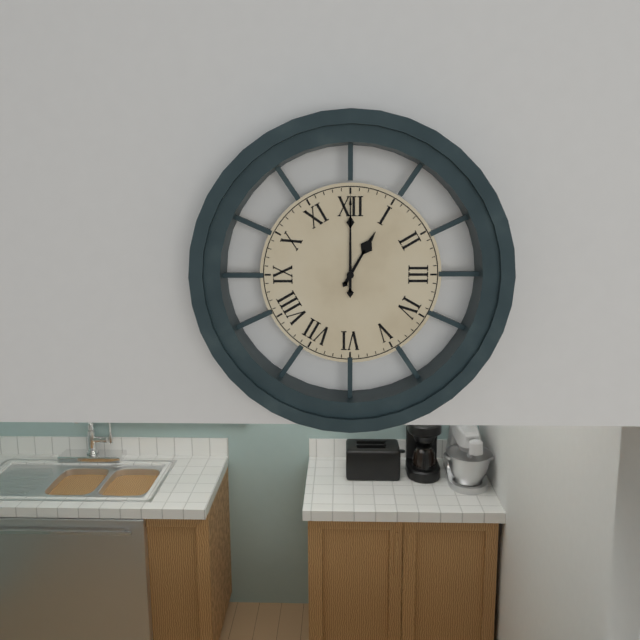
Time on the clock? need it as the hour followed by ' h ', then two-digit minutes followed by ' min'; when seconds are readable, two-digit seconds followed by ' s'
1 h 00 min
